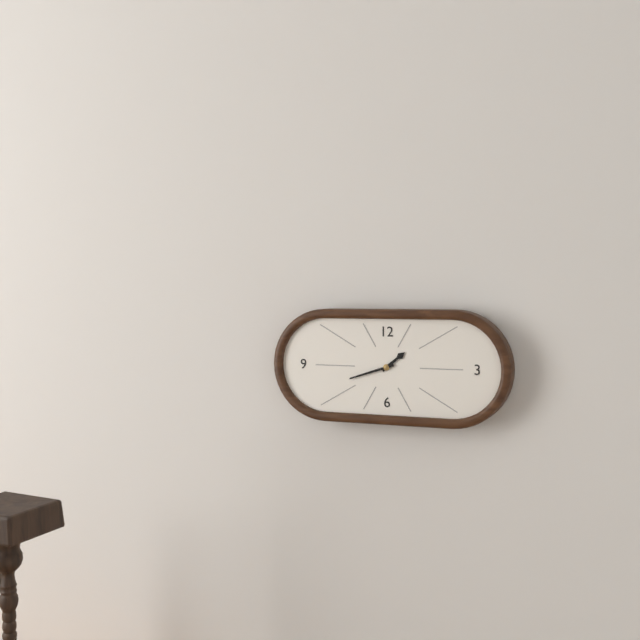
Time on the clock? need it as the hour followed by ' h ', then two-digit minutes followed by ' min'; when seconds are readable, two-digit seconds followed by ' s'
1 h 42 min
